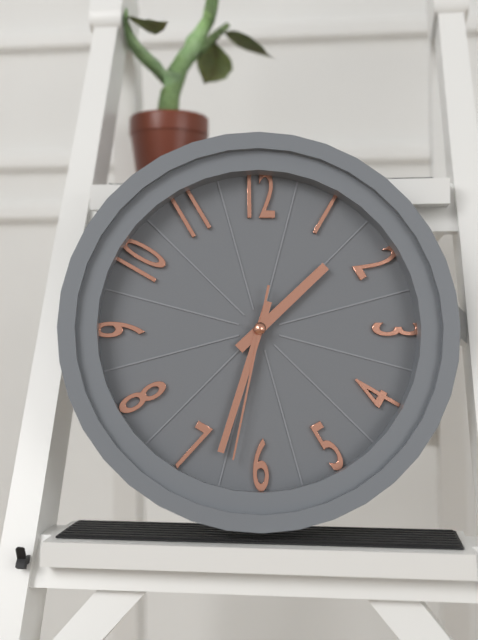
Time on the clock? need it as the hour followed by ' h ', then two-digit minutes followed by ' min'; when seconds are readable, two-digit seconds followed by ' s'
1 h 33 min 32 s
